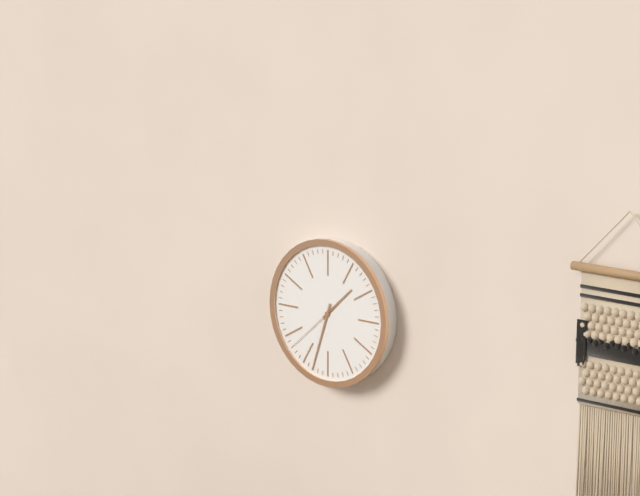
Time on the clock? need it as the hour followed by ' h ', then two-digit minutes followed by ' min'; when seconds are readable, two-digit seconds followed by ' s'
1 h 33 min 38 s
